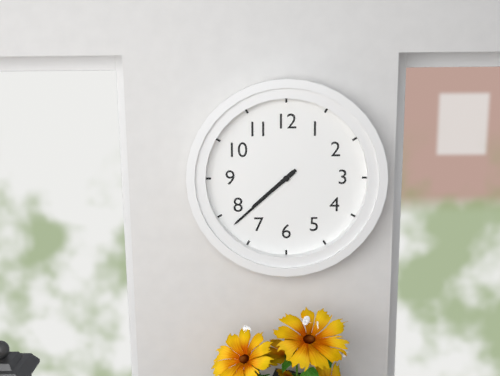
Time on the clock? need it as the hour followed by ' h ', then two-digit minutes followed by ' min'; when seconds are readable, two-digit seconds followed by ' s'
7 h 38 min
